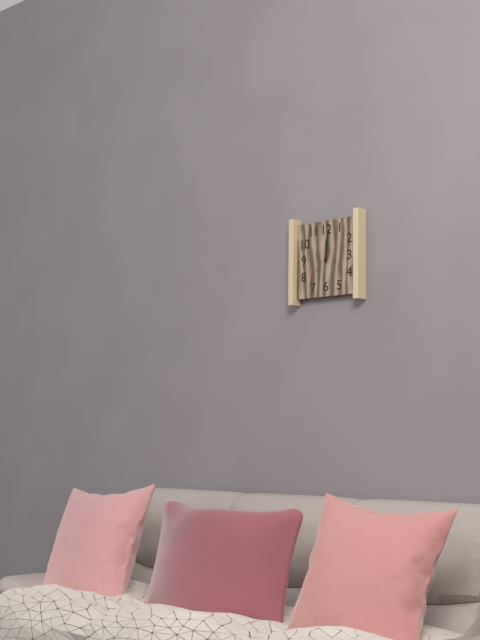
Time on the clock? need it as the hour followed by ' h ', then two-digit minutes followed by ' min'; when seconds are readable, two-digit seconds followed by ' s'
12 h 01 min
